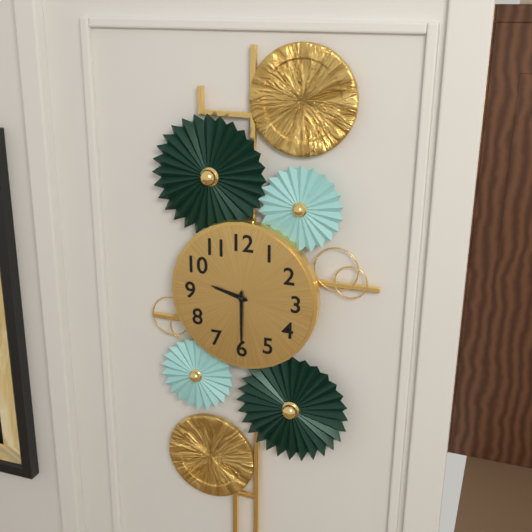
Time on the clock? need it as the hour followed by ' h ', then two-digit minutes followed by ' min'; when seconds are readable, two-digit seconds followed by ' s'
9 h 30 min
